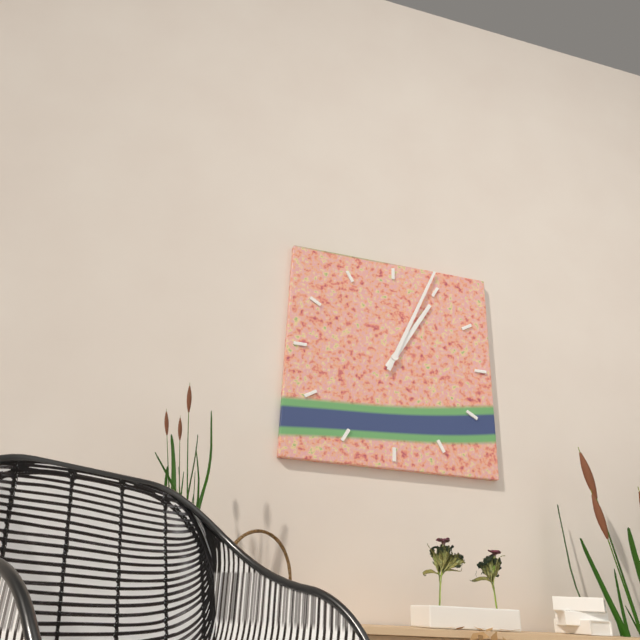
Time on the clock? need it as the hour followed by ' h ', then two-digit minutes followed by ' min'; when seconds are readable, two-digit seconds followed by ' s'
1 h 04 min
